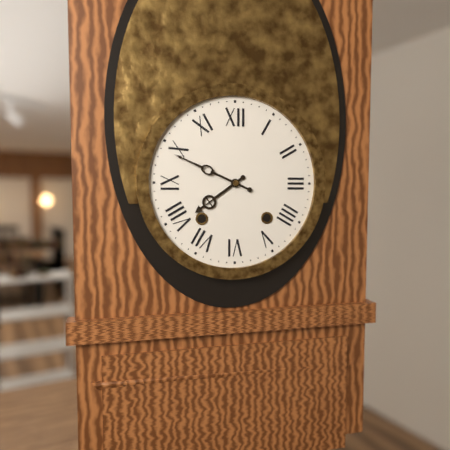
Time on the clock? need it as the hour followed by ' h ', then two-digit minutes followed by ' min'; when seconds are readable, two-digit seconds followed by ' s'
7 h 49 min
